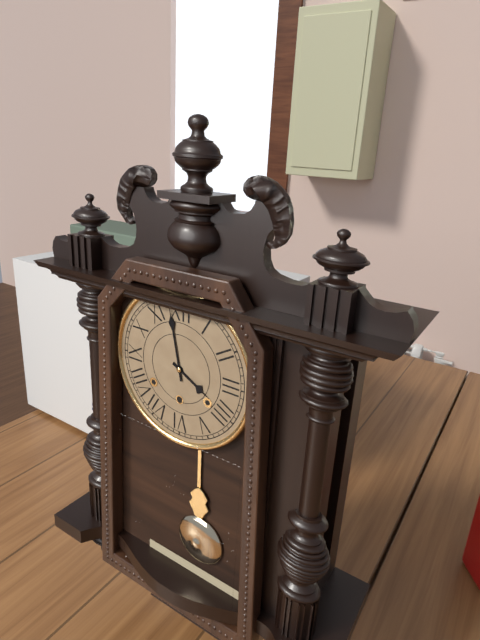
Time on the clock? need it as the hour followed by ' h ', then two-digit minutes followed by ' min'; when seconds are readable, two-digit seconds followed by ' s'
3 h 58 min
